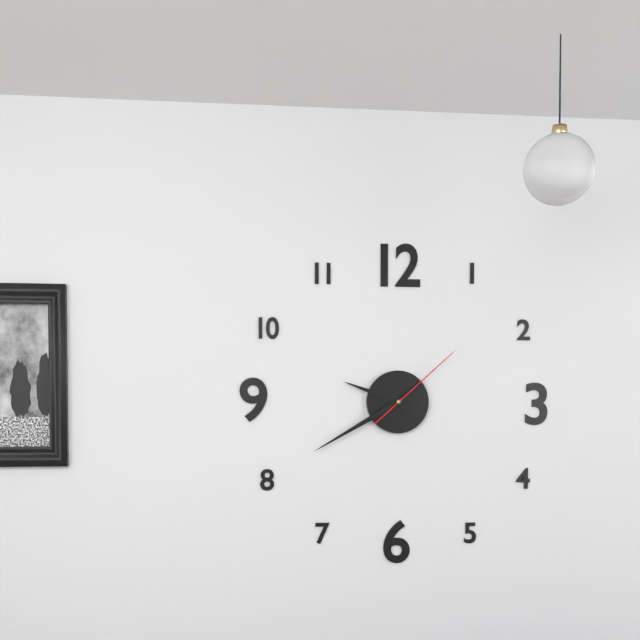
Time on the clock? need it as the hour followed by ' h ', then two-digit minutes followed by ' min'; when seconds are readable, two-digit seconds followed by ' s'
9 h 40 min 08 s
